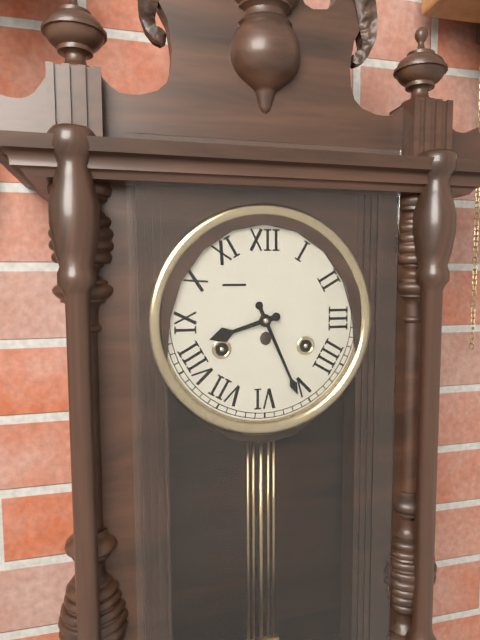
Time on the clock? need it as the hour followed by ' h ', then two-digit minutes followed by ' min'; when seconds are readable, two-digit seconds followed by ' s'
8 h 26 min
